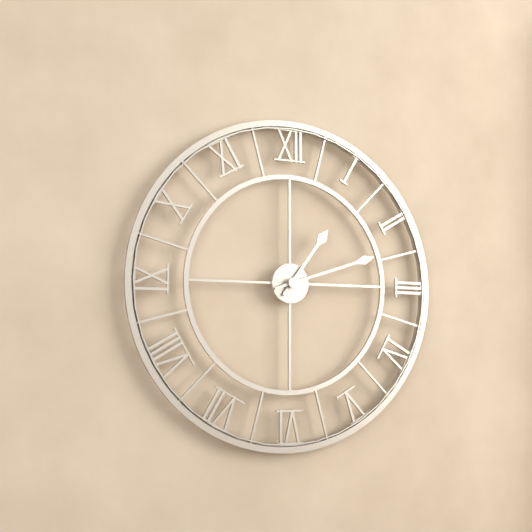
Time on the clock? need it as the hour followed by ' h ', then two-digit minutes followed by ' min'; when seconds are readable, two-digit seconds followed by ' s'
1 h 12 min
